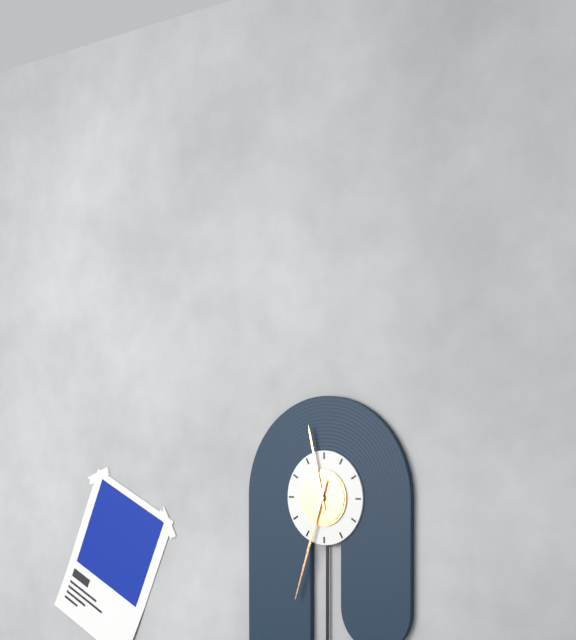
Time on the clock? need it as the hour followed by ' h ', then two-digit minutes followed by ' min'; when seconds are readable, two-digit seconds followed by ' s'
11 h 33 min
